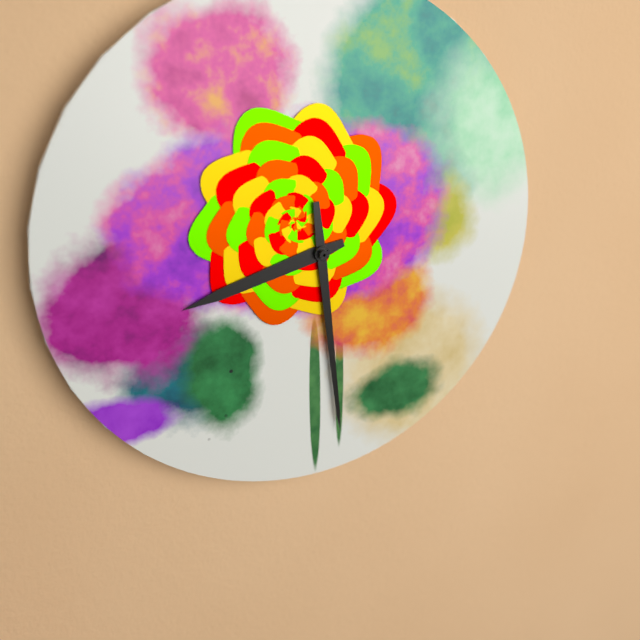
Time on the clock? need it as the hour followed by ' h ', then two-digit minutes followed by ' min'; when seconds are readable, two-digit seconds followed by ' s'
8 h 29 min
